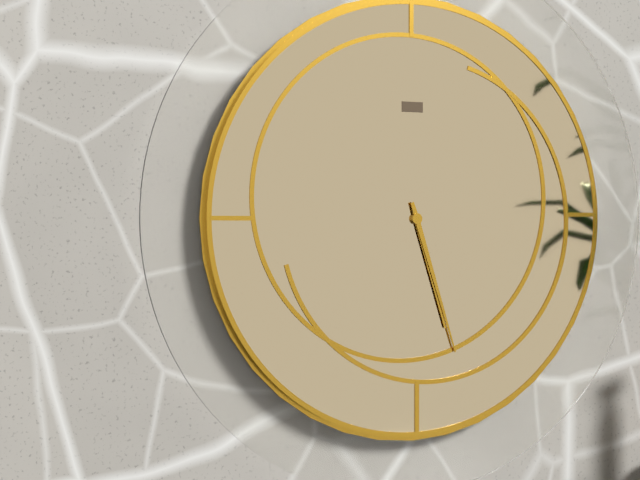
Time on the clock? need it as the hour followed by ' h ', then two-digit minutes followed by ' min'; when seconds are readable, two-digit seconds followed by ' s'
5 h 27 min
